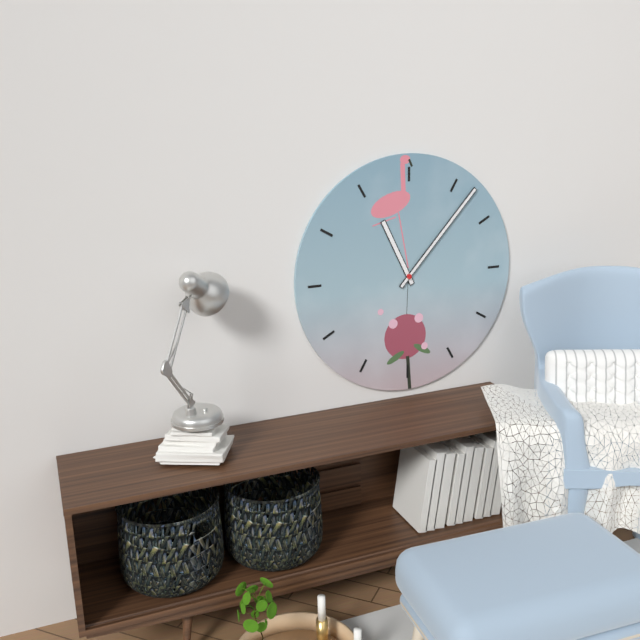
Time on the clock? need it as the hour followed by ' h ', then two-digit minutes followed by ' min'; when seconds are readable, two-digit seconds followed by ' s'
11 h 07 min
